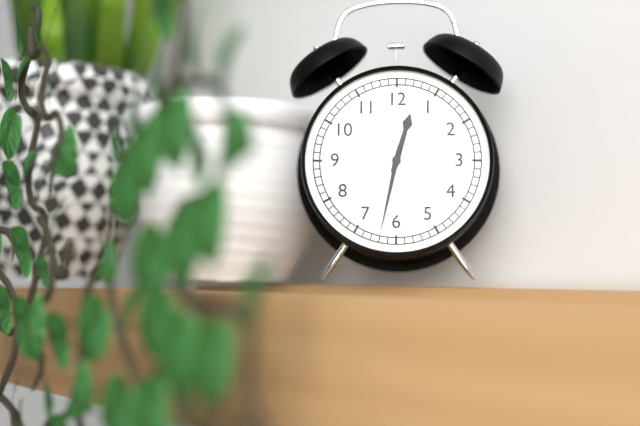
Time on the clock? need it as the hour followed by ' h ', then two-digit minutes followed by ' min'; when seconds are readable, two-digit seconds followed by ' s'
12 h 32 min
